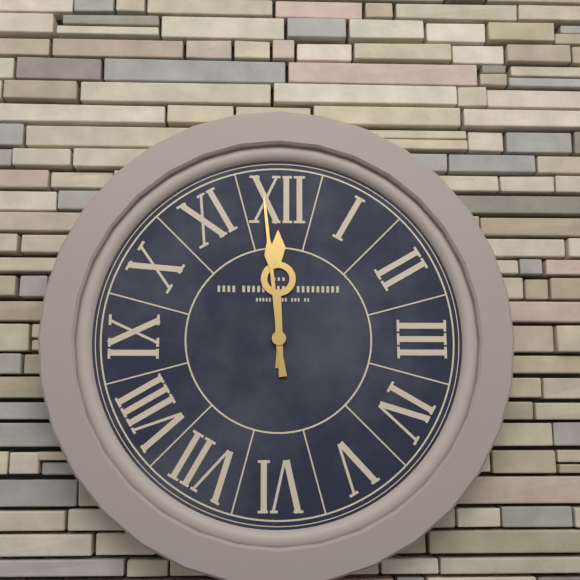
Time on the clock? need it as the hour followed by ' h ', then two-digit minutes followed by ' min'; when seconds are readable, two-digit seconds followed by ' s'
11 h 59 min
